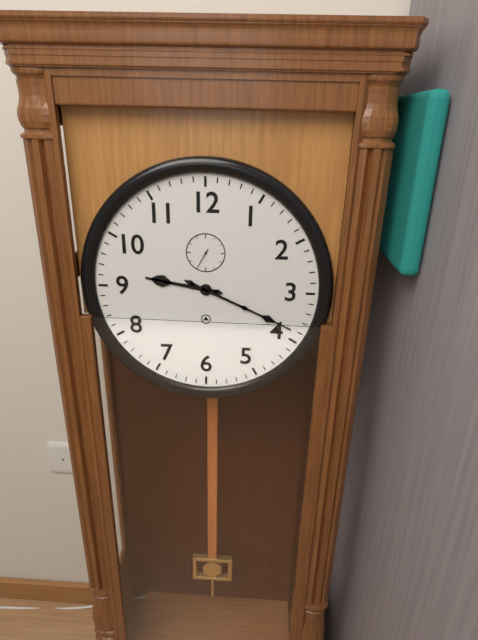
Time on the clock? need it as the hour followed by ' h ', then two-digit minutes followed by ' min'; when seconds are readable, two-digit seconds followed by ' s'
9 h 19 min
